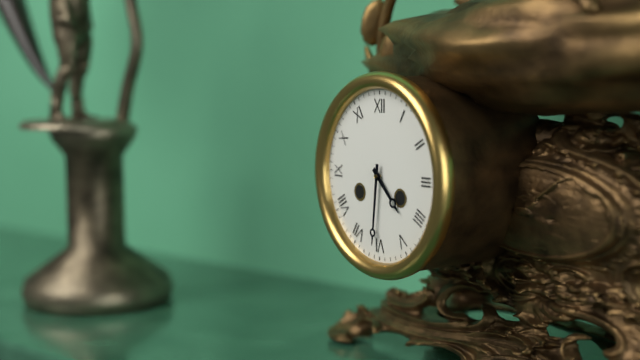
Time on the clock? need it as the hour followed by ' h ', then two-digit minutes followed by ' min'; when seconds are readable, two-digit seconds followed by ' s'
4 h 31 min
